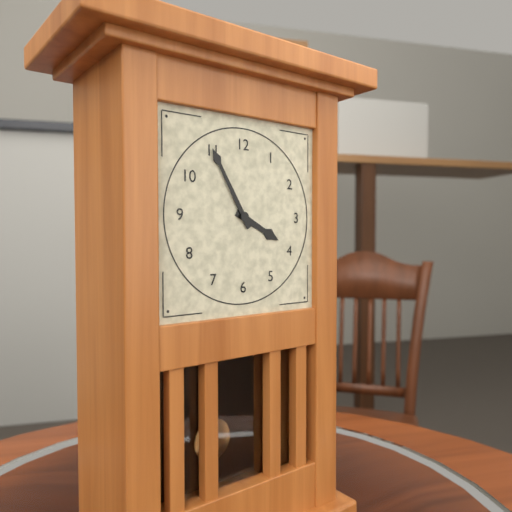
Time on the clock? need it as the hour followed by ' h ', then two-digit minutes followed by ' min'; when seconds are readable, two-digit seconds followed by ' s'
3 h 55 min
